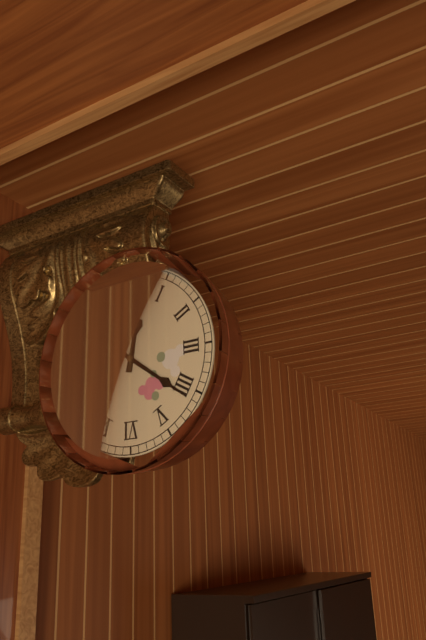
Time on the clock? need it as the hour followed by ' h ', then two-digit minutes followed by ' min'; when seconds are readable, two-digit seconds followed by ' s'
12 h 21 min
